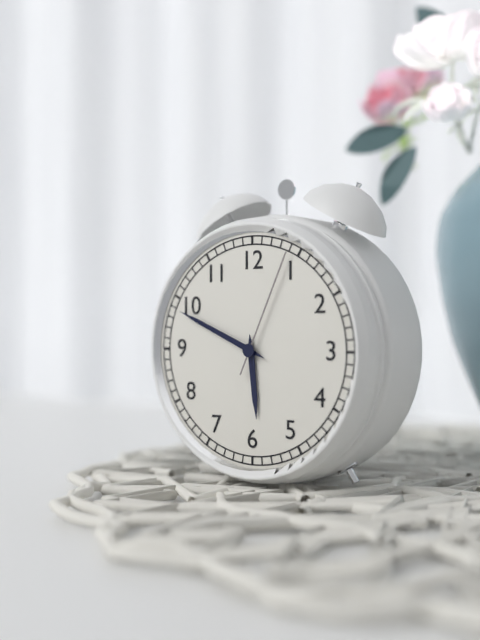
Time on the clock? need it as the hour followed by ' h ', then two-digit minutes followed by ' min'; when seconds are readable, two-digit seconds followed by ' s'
5 h 49 min 04 s
